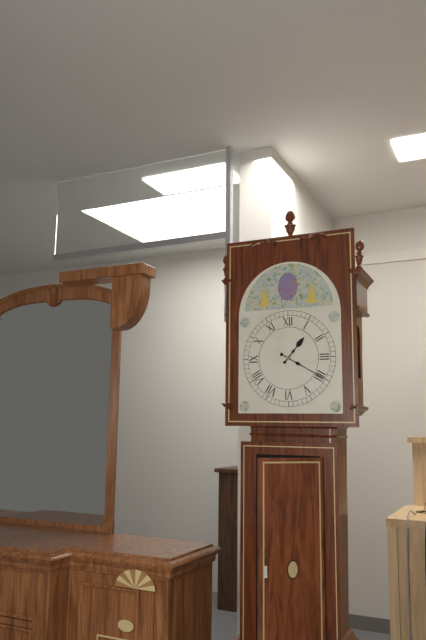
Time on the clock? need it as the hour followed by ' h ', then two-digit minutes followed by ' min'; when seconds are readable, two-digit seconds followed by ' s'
1 h 20 min
